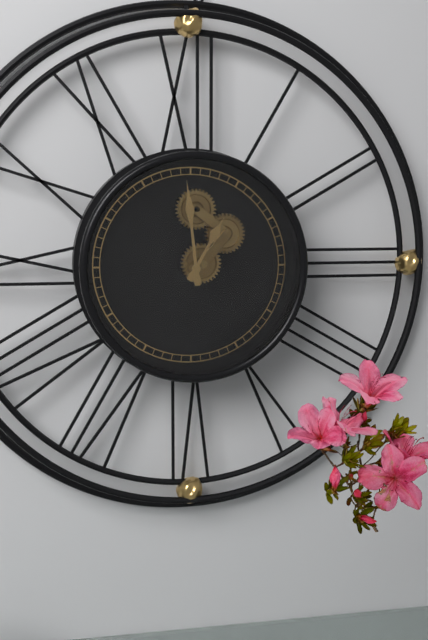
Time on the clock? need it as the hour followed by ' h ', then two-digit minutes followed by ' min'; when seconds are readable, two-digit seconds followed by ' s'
12 h 59 min
